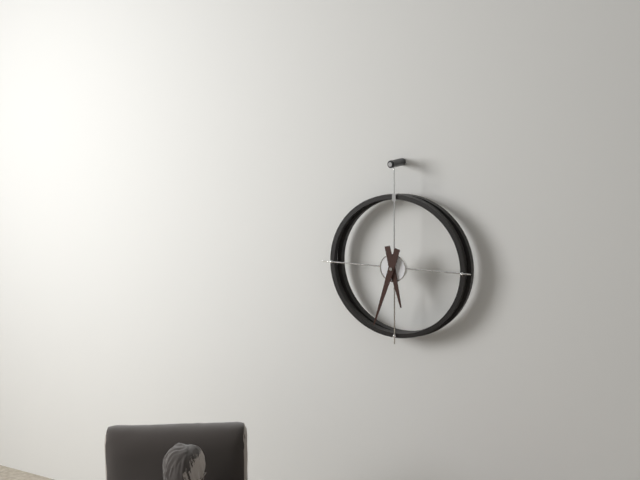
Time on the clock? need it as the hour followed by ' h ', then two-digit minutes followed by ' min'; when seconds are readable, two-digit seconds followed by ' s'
5 h 33 min
